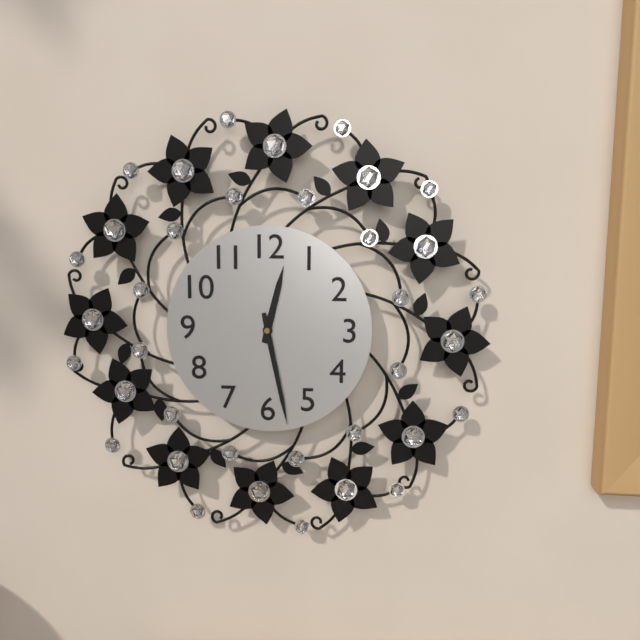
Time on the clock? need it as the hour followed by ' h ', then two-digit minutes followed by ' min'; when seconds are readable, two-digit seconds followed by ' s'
12 h 28 min
